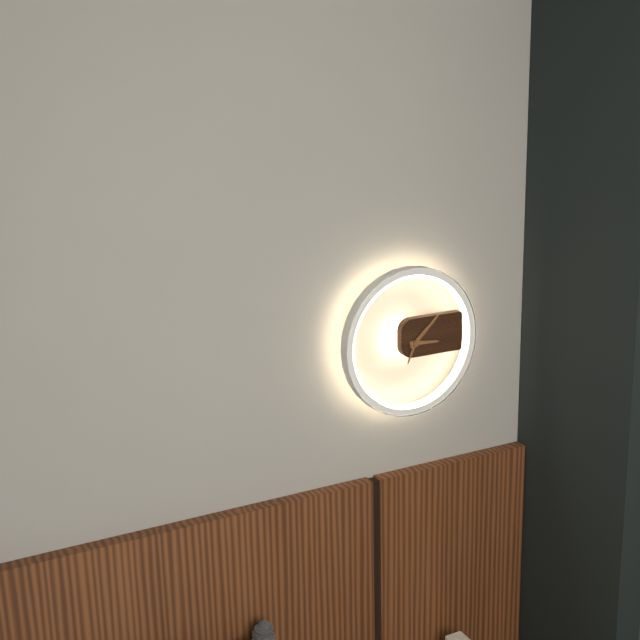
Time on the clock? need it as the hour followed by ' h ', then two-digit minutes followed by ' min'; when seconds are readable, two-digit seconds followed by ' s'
3 h 08 min
